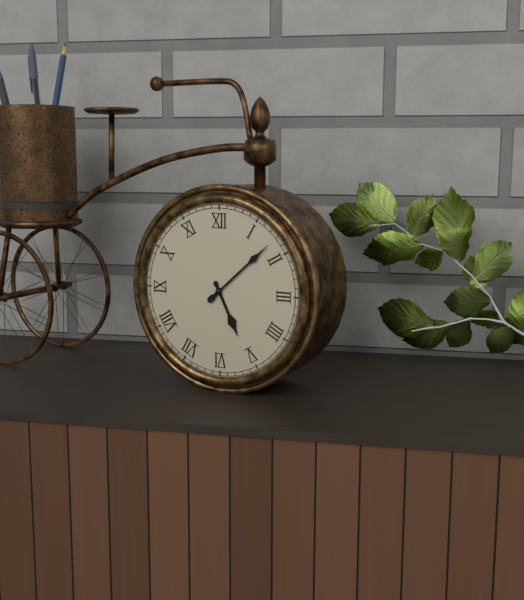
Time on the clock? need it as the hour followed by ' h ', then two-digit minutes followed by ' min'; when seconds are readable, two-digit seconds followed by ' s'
5 h 08 min
